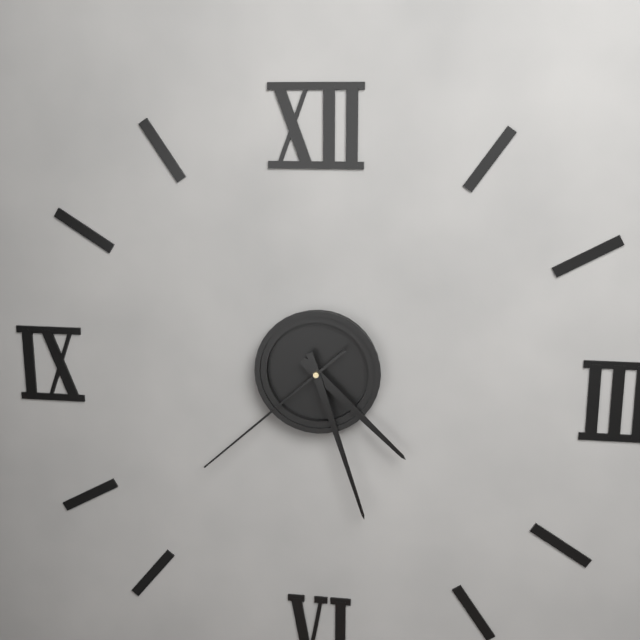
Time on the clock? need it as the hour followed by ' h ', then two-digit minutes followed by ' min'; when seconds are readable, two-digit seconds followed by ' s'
4 h 27 min 38 s
